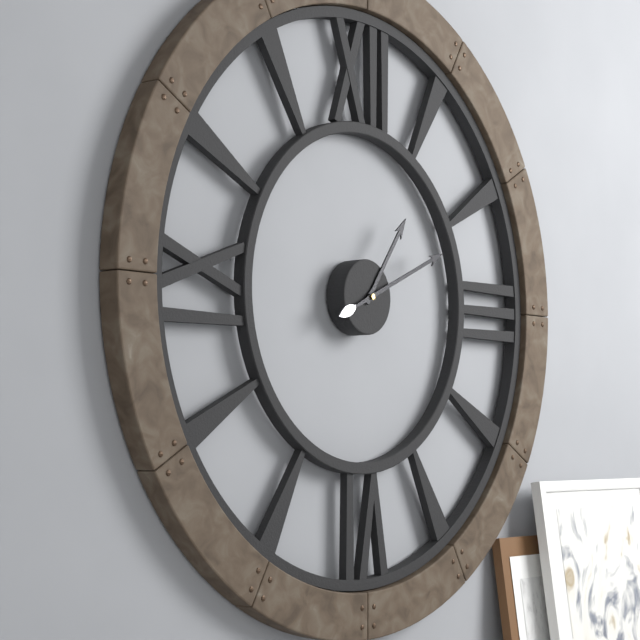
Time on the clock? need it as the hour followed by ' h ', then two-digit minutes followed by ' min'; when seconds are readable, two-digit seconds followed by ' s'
1 h 11 min
